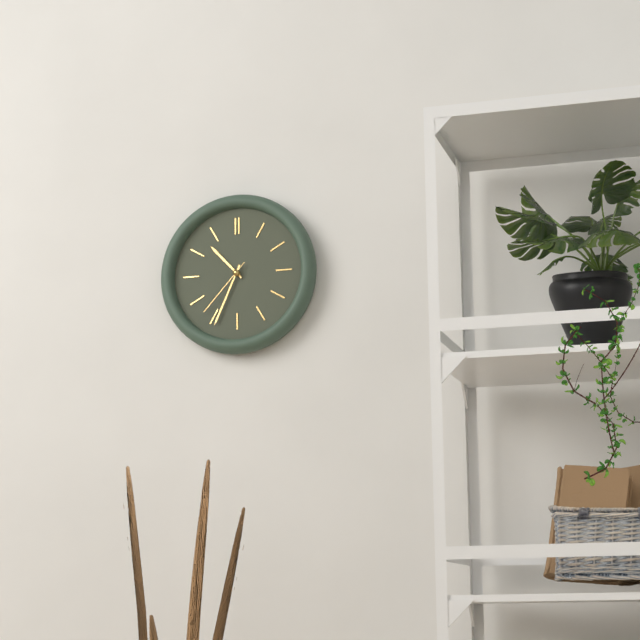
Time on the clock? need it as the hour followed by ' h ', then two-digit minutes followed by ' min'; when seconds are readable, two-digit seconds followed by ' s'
10 h 34 min 37 s
